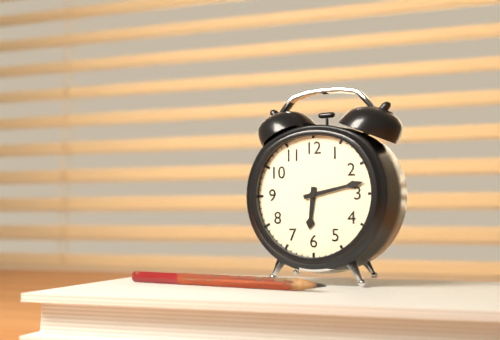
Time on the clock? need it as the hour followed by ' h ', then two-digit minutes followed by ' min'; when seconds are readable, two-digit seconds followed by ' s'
6 h 13 min
